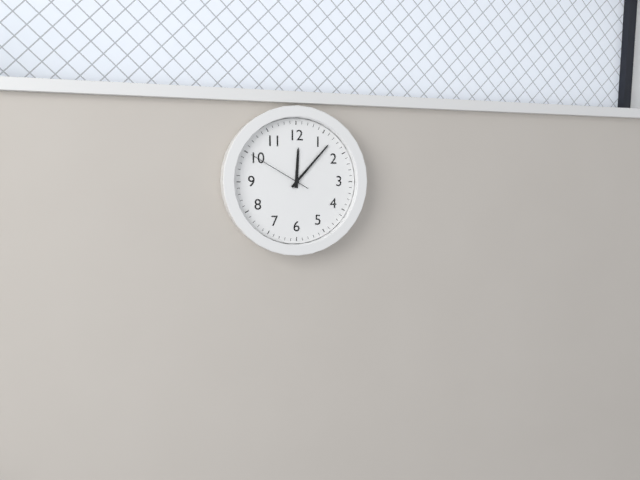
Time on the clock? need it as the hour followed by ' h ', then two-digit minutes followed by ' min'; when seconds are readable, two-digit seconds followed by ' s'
12 h 07 min 50 s
